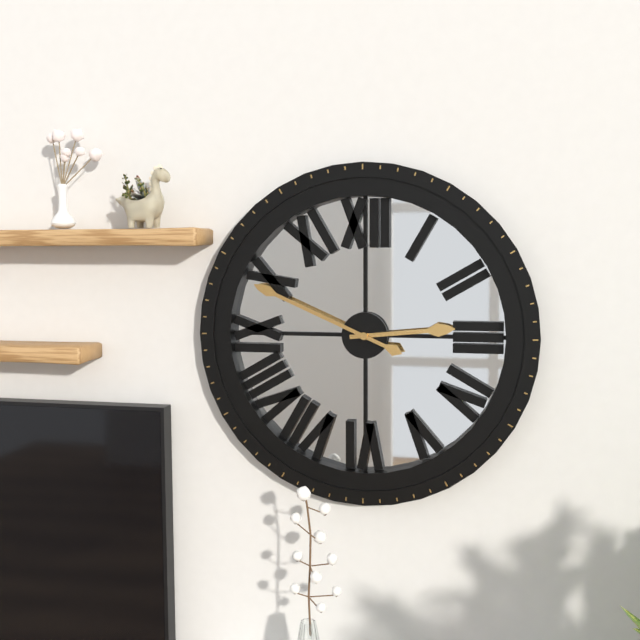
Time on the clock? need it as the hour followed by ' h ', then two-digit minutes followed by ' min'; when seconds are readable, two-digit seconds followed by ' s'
2 h 49 min
